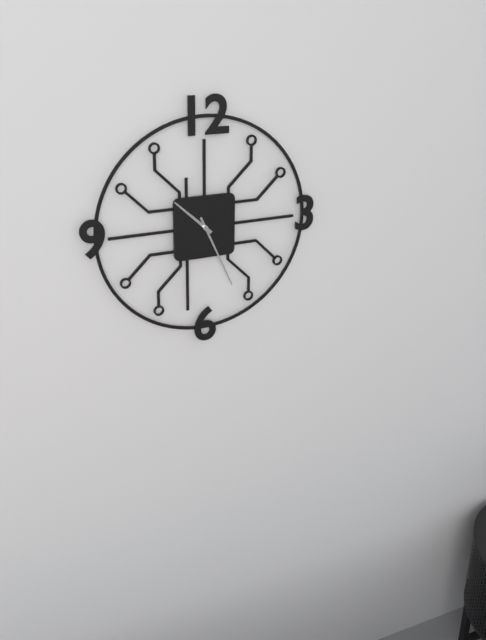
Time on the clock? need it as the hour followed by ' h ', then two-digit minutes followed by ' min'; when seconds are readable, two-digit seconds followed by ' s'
10 h 26 min
